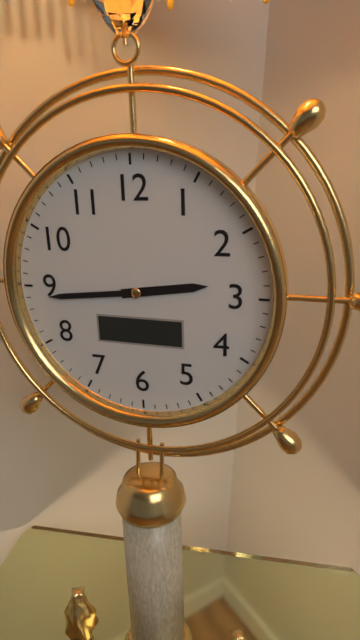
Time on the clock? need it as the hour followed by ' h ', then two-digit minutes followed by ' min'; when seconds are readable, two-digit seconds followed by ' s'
2 h 44 min
